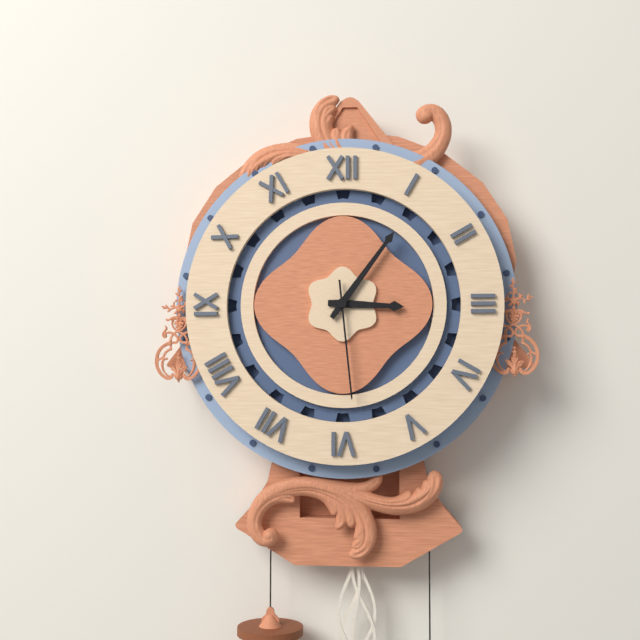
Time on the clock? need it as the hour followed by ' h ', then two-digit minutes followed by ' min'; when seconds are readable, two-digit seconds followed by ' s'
3 h 06 min 29 s
